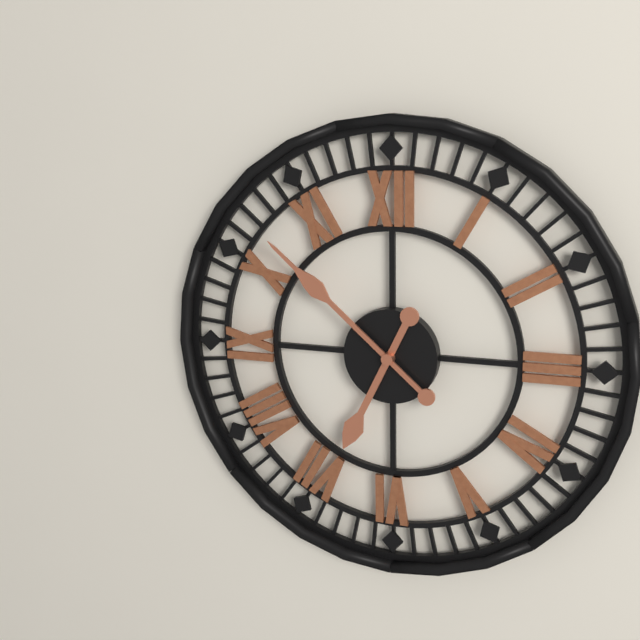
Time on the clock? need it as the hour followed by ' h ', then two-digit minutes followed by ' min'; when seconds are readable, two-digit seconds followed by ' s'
6 h 52 min
